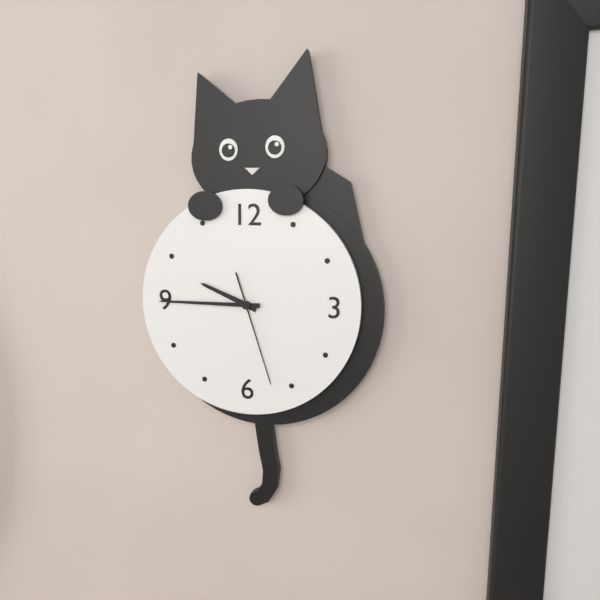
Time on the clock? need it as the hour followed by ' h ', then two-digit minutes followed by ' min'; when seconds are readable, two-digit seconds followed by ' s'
9 h 45 min 27 s
